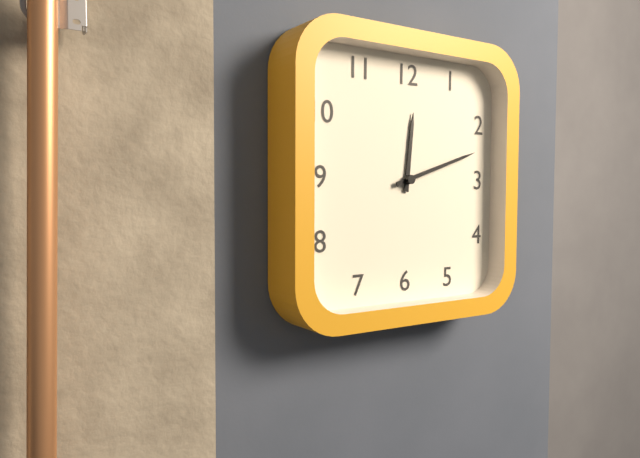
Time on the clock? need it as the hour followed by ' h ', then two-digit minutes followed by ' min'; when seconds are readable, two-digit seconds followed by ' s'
12 h 12 min
